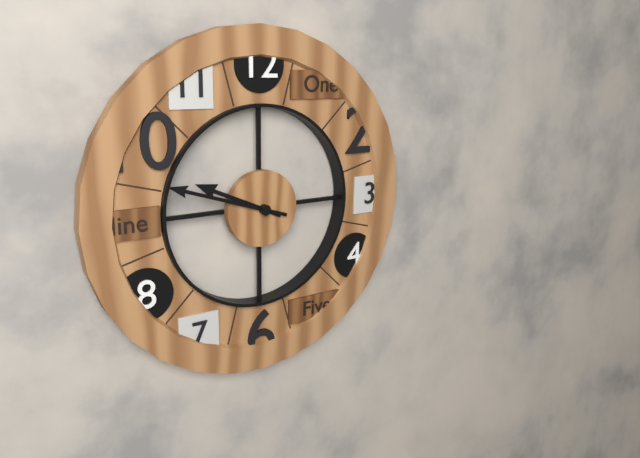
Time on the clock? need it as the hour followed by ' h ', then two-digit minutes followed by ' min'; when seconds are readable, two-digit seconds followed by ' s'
9 h 48 min
